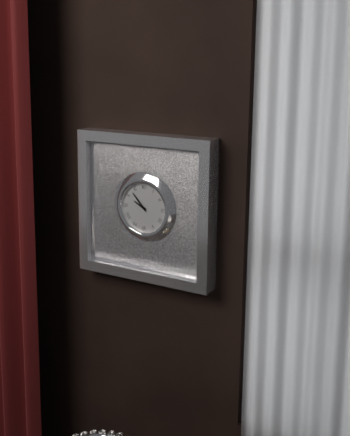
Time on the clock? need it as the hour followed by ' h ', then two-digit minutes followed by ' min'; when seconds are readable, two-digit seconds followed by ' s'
9 h 53 min
